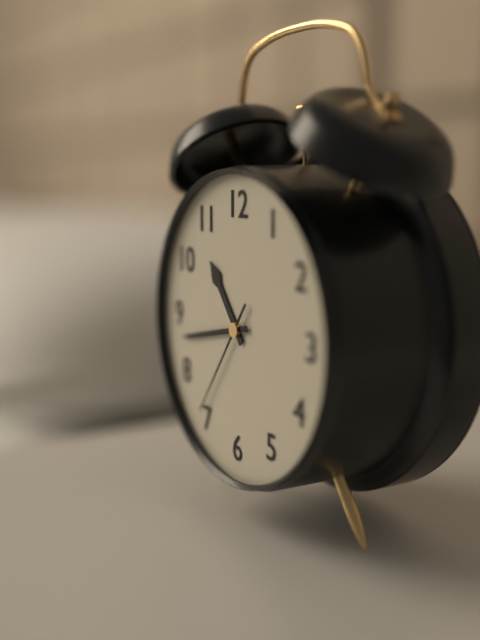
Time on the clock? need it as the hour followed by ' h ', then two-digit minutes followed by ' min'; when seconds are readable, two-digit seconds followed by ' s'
10 h 43 min 36 s
